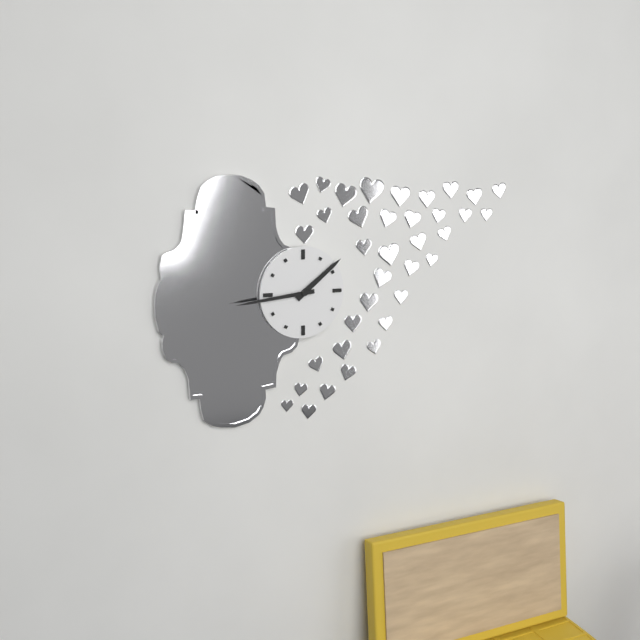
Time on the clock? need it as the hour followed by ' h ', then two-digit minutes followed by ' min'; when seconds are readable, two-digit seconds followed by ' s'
1 h 44 min
